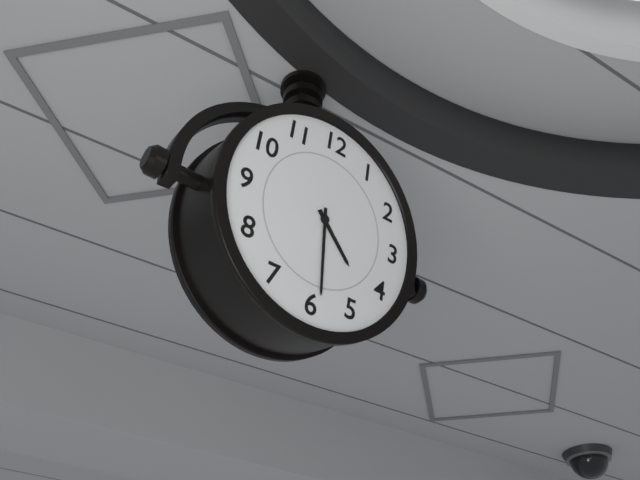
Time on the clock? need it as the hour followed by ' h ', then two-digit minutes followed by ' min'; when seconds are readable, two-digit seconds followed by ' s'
4 h 29 min
